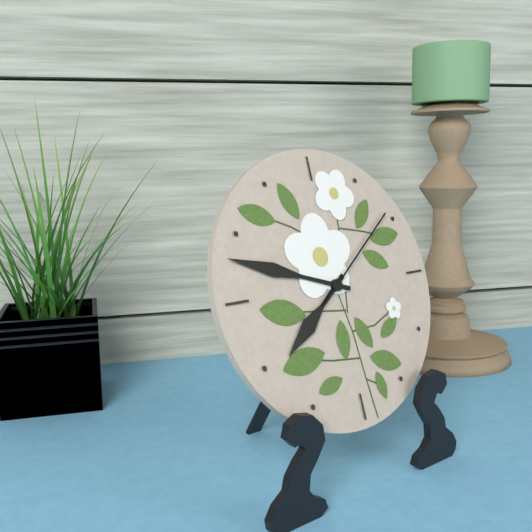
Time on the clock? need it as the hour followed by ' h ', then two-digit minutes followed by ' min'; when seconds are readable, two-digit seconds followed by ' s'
7 h 48 min 09 s
